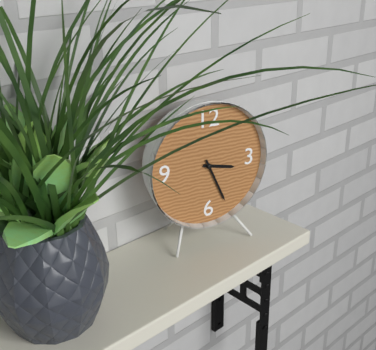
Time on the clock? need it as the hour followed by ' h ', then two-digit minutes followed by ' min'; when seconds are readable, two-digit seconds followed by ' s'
3 h 26 min
